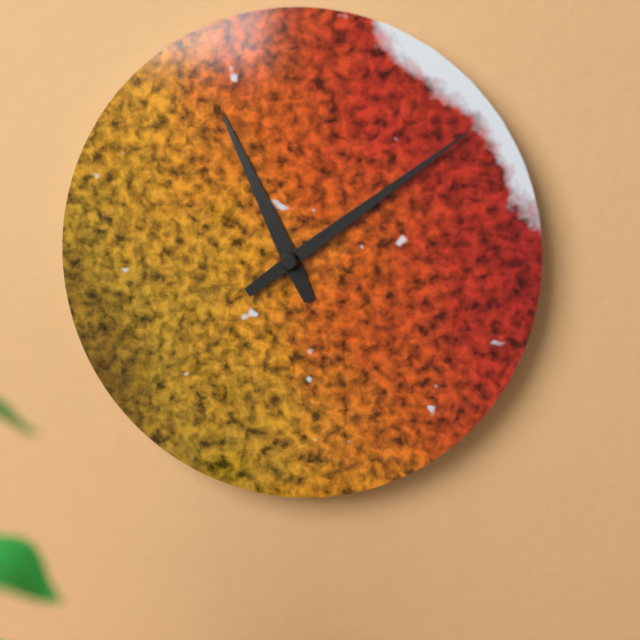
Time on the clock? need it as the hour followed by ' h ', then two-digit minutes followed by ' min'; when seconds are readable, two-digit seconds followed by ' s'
11 h 09 min
